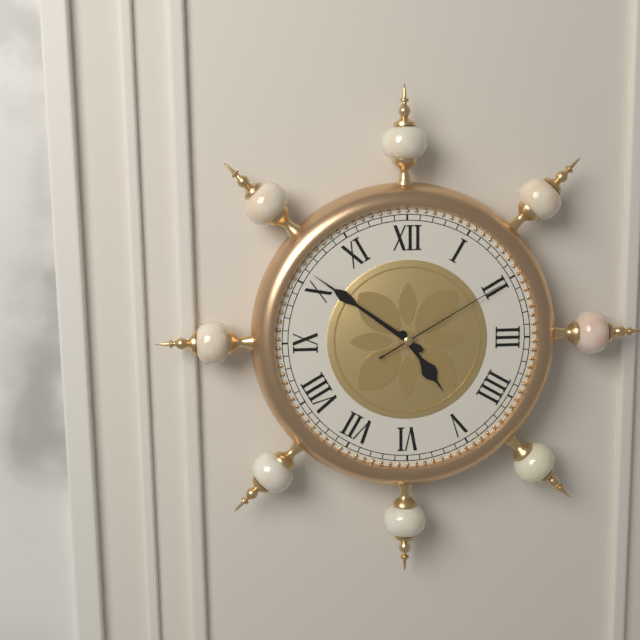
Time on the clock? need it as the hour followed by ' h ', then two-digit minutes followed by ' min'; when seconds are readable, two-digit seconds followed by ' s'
4 h 51 min 10 s
